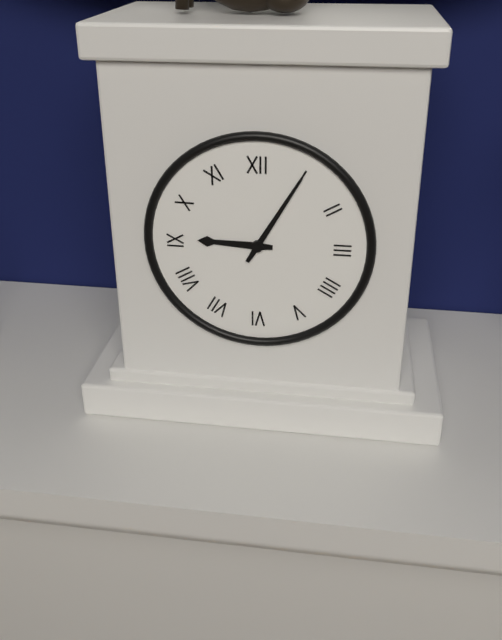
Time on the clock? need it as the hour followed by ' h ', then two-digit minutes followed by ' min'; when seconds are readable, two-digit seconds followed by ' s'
9 h 05 min
